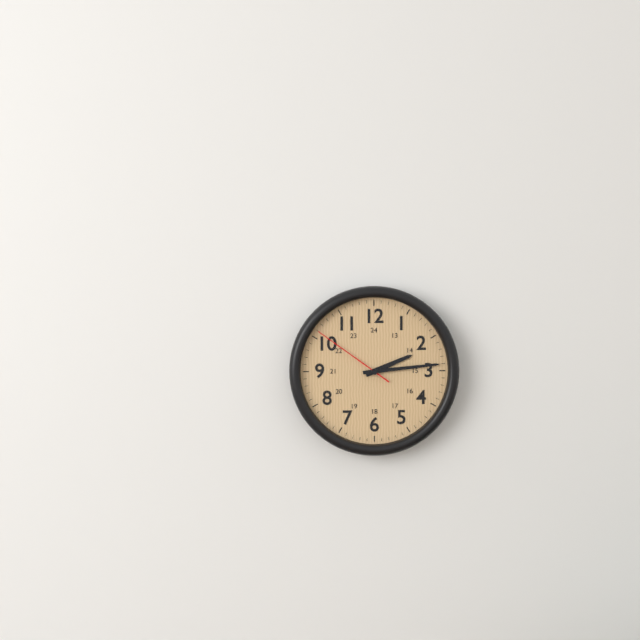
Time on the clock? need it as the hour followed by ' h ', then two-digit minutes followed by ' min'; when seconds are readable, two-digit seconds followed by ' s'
2 h 14 min 51 s
